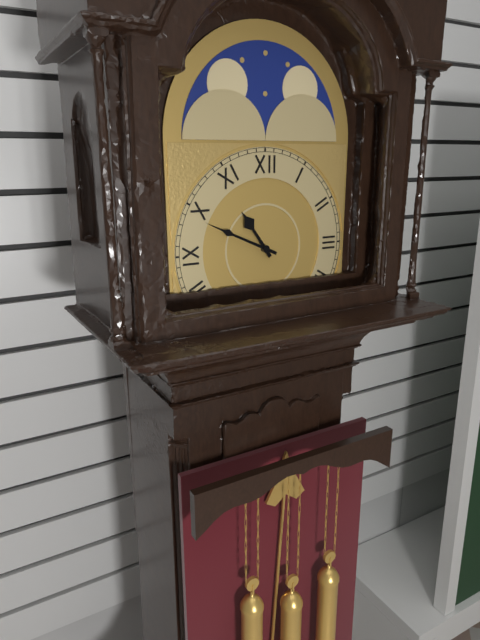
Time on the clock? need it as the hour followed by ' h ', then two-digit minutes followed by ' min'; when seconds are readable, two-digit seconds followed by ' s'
10 h 49 min
